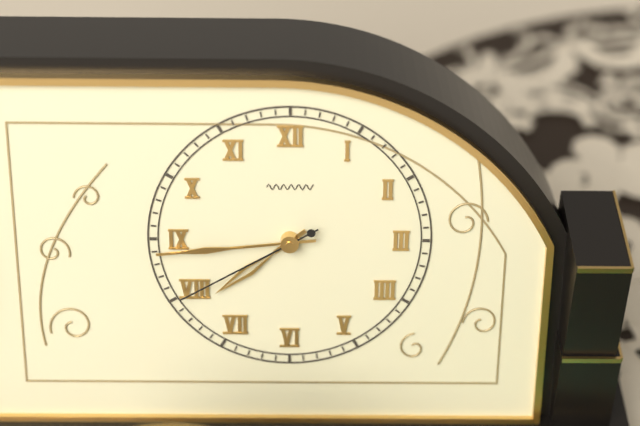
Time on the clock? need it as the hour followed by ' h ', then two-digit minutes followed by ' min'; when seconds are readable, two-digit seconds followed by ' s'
7 h 44 min 40 s
